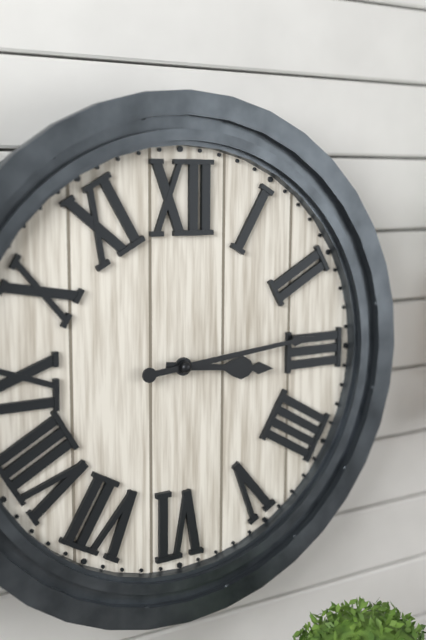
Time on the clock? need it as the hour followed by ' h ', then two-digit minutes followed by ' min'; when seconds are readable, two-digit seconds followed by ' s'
3 h 14 min
